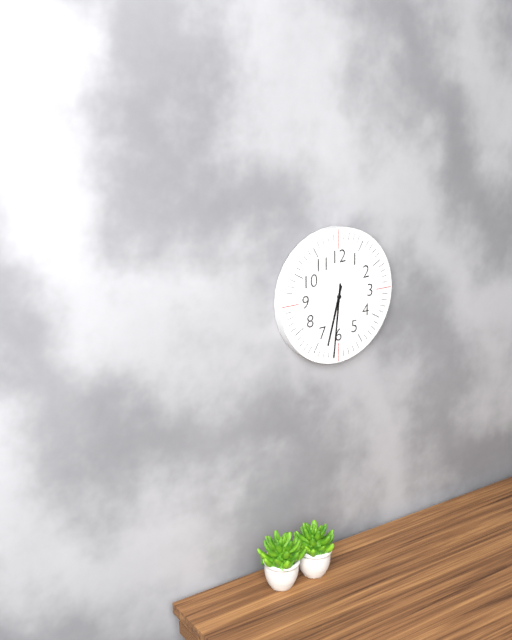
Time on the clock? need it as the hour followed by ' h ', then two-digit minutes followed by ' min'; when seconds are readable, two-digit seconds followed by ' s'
6 h 31 min
